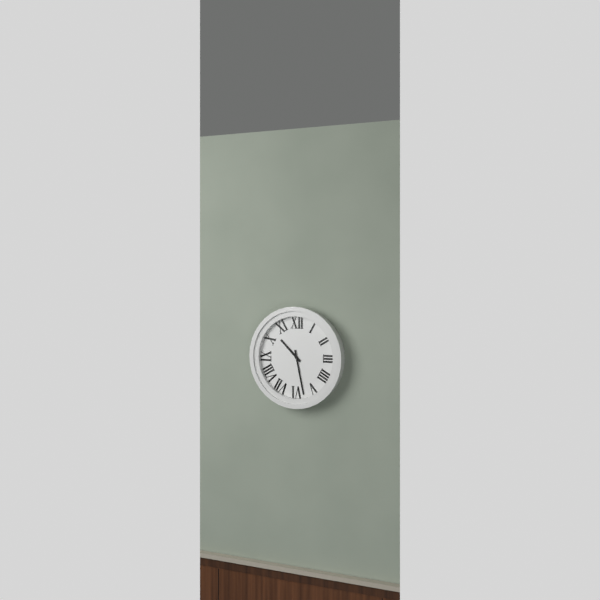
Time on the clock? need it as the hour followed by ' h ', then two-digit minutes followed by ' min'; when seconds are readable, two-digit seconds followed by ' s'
10 h 28 min
